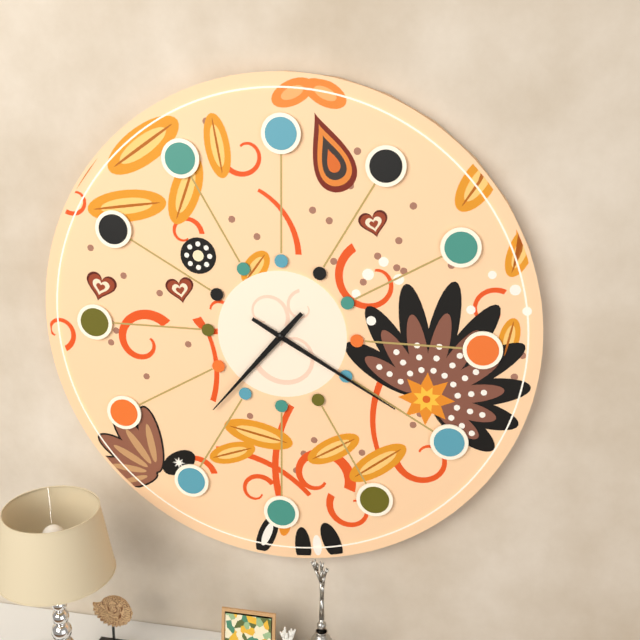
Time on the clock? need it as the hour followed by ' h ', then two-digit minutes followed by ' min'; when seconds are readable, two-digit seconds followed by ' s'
7 h 20 min
